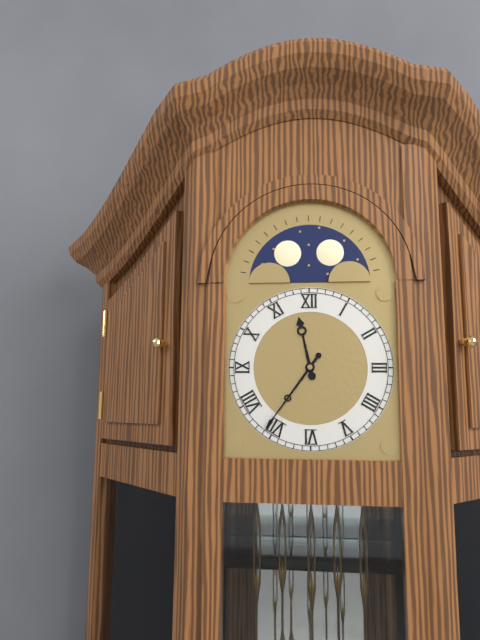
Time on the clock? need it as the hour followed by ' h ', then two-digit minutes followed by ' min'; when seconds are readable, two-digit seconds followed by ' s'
11 h 36 min
